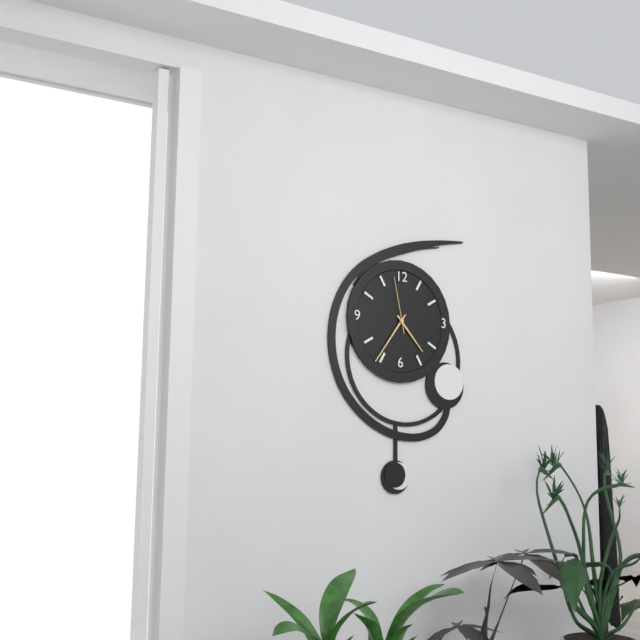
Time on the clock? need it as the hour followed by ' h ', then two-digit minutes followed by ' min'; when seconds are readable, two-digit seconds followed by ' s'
4 h 36 min 58 s
